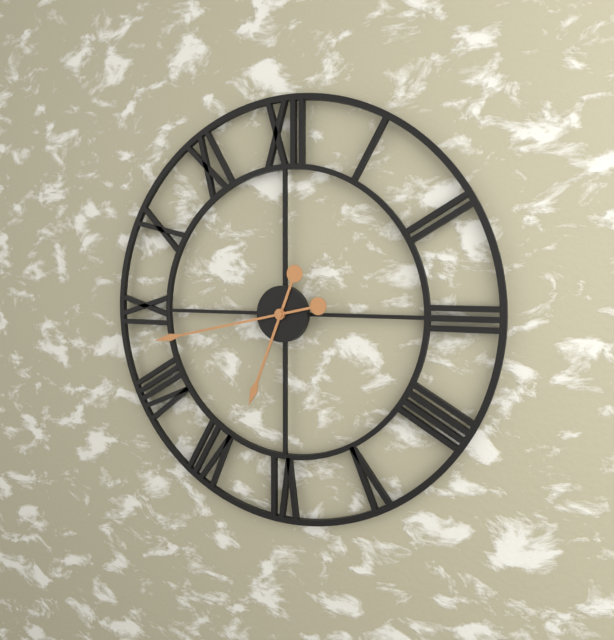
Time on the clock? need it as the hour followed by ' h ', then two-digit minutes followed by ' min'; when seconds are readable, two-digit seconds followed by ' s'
6 h 43 min
